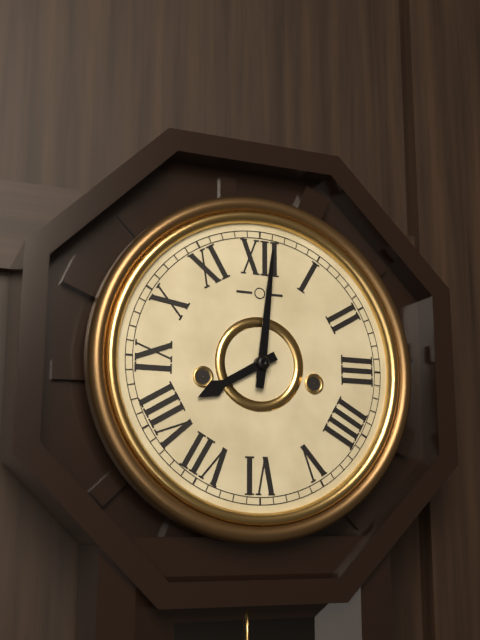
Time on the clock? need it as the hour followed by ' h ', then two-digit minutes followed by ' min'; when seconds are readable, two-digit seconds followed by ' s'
8 h 01 min
